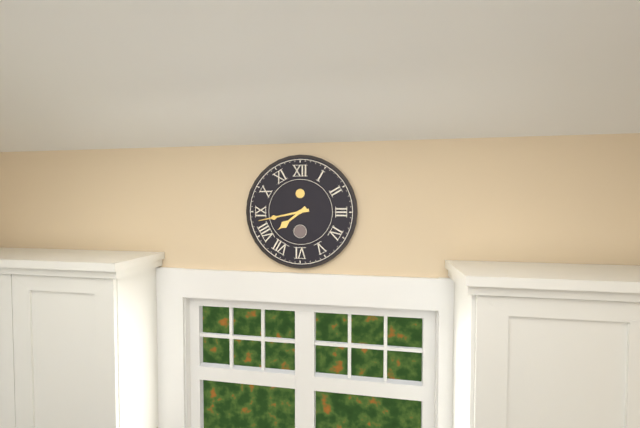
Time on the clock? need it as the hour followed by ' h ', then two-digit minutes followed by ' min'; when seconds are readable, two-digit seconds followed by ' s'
7 h 43 min
